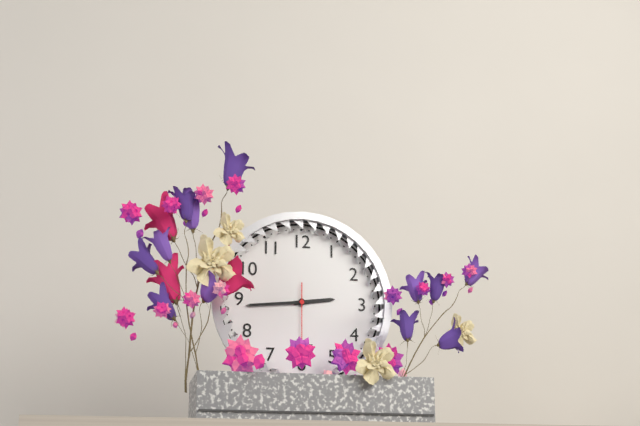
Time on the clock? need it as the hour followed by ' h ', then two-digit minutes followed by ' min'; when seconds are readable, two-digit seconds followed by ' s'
2 h 44 min
